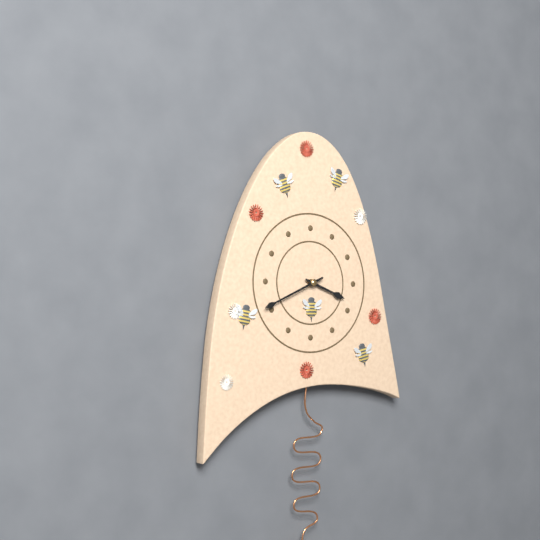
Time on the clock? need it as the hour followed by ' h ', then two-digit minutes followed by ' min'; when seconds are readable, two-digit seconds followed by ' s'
3 h 41 min
